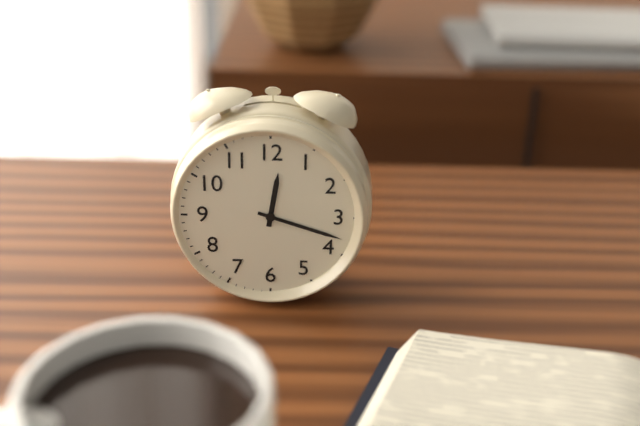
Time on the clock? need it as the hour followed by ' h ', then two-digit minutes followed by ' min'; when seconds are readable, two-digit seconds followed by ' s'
12 h 18 min
